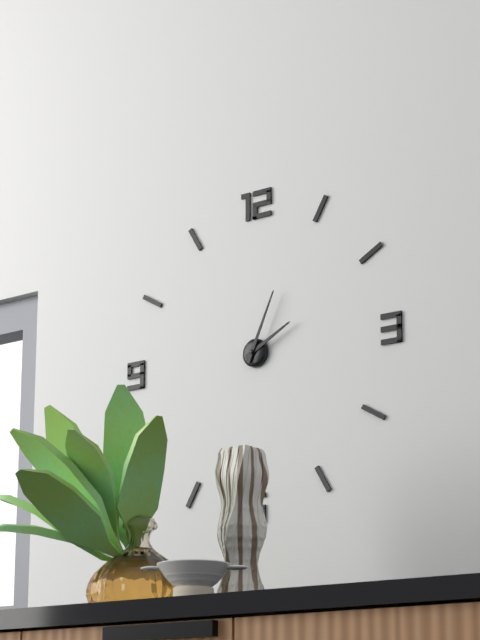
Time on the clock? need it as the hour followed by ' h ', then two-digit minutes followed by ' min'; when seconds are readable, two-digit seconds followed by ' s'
2 h 04 min
